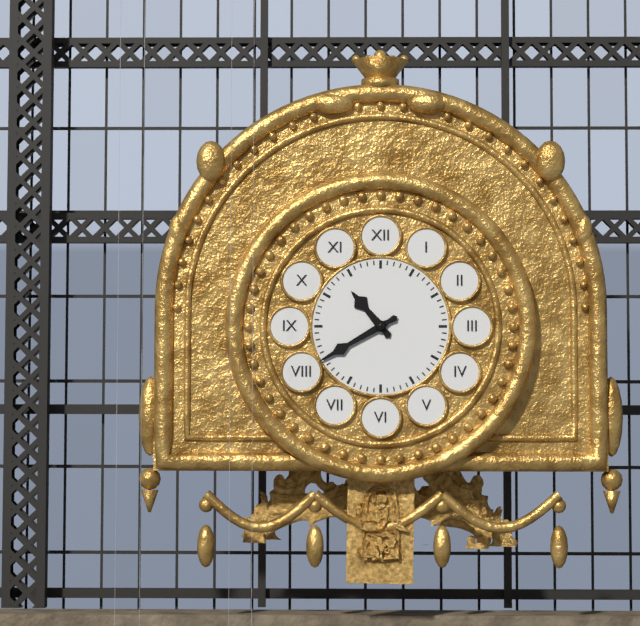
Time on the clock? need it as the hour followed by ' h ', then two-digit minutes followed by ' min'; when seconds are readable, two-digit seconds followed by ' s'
10 h 40 min
